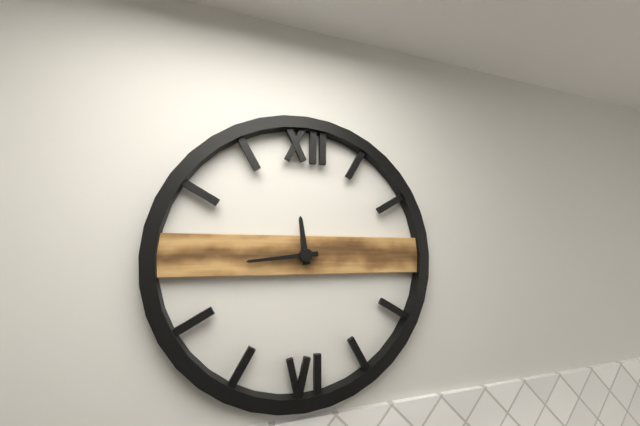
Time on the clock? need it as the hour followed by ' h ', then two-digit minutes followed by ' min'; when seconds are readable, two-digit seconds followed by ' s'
11 h 44 min
